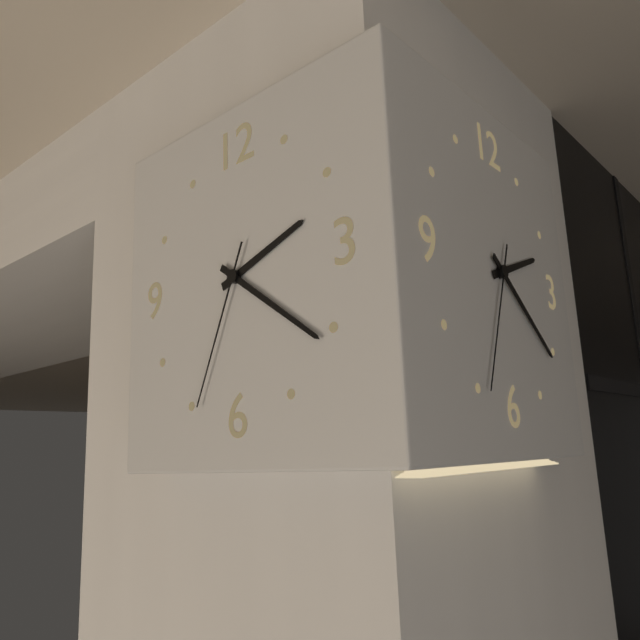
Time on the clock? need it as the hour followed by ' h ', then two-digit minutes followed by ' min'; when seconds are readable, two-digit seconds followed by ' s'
2 h 21 min 34 s
